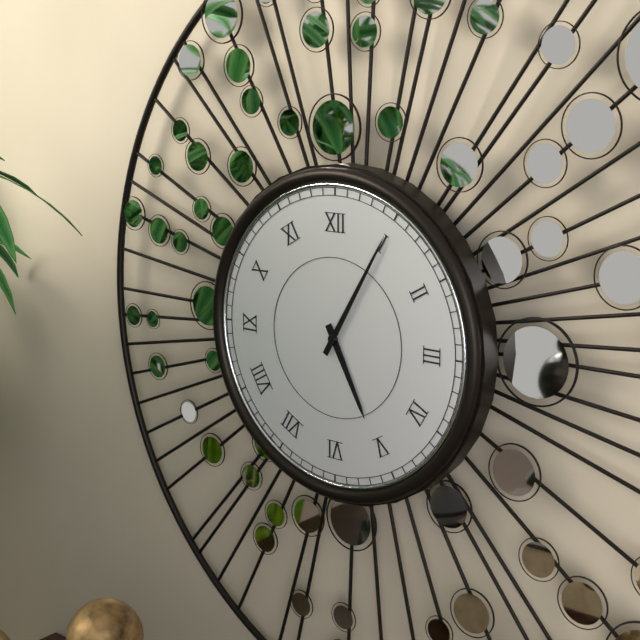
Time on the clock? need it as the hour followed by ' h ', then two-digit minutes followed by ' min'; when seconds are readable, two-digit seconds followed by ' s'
5 h 05 min
